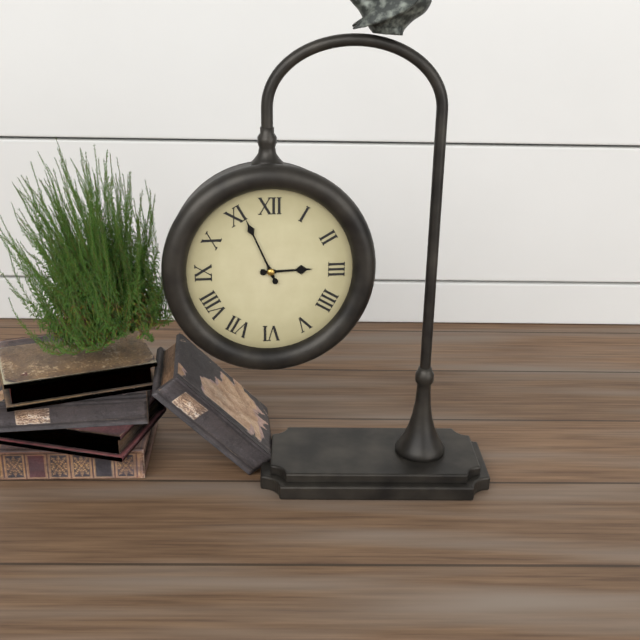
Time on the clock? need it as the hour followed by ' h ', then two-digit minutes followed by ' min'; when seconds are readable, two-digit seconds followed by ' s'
2 h 56 min
